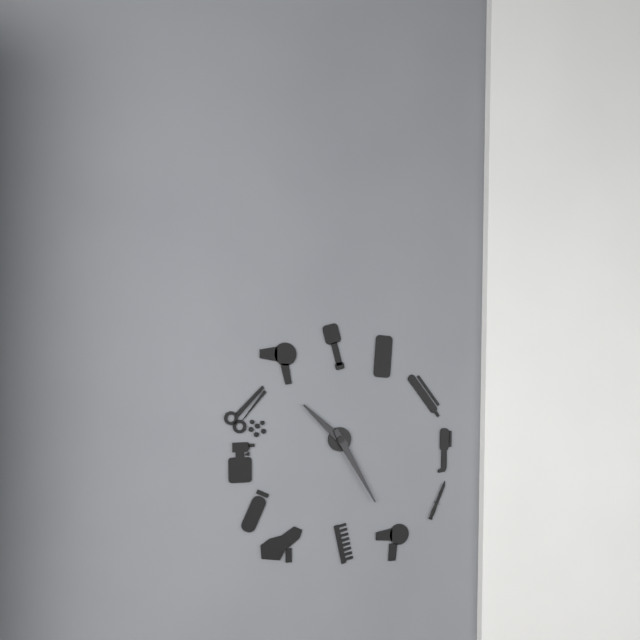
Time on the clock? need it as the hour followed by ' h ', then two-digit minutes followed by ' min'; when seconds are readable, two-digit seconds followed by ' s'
10 h 25 min
